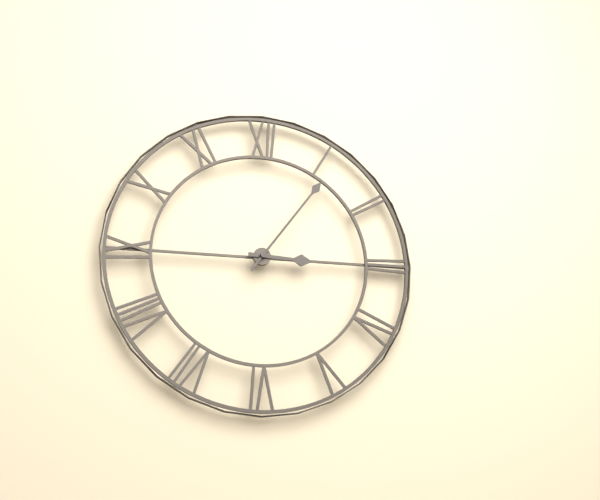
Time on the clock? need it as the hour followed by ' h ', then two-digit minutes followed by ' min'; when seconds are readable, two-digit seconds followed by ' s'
3 h 06 min
